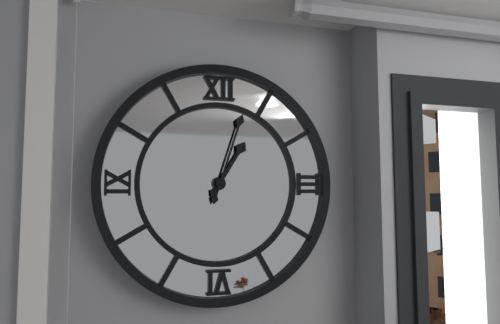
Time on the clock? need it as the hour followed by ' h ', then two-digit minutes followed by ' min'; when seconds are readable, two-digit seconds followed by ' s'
1 h 03 min
